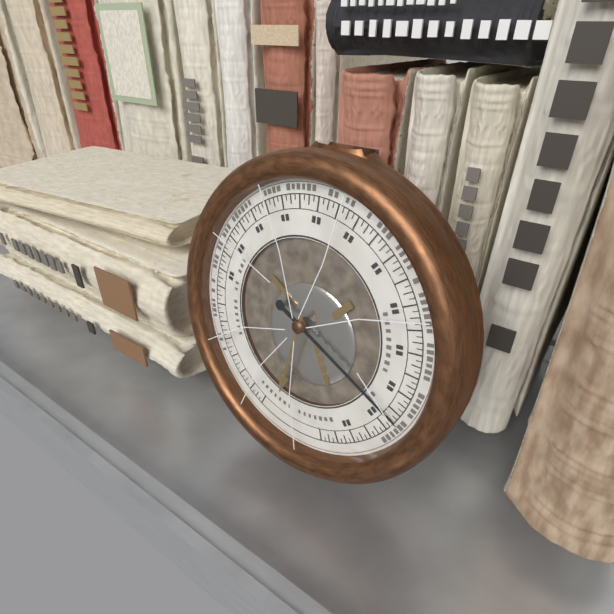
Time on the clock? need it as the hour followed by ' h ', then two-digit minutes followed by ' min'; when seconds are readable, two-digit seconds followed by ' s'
6 h 19 min
